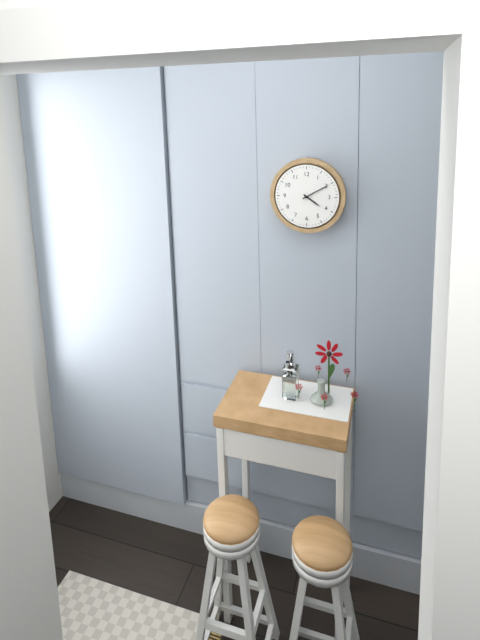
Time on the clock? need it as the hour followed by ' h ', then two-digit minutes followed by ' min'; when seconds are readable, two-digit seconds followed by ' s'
4 h 10 min
